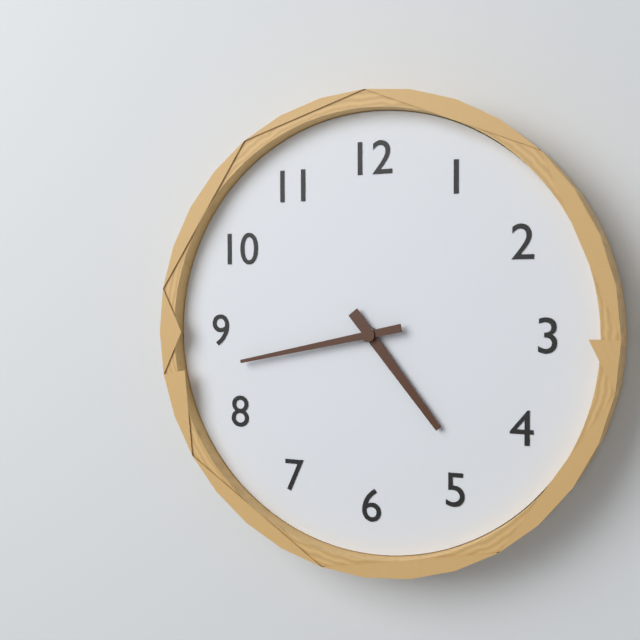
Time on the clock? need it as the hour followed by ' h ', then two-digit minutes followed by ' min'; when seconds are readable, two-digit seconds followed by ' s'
4 h 43 min
